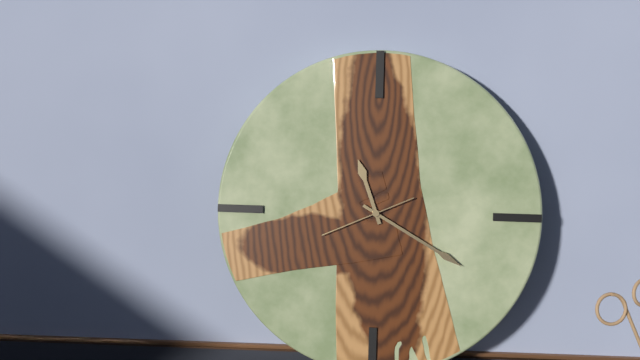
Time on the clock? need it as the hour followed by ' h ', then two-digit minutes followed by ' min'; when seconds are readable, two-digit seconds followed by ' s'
11 h 20 min 41 s
